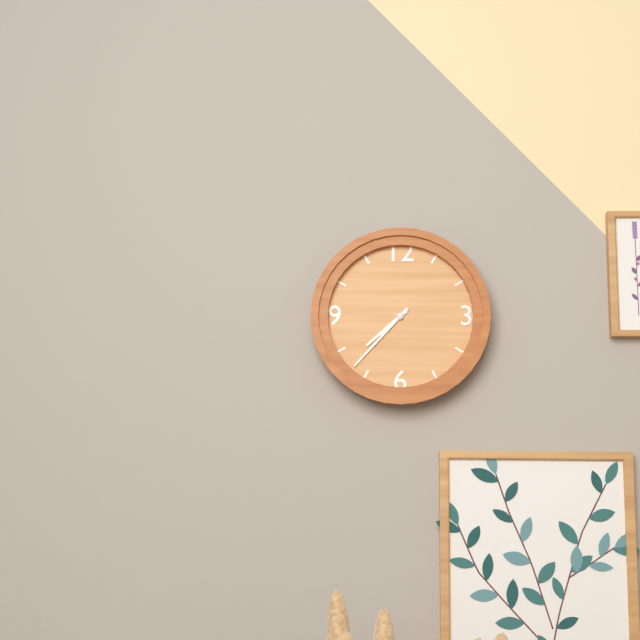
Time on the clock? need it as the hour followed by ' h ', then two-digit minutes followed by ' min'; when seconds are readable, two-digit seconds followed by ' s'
7 h 37 min
